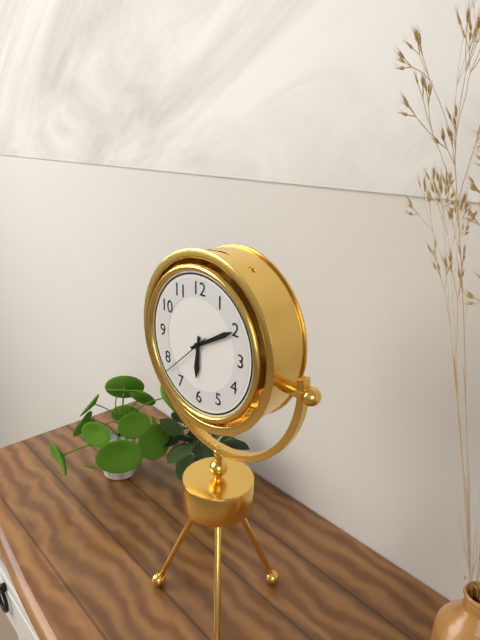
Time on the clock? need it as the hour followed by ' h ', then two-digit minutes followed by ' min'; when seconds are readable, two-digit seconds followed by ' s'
6 h 10 min 38 s
